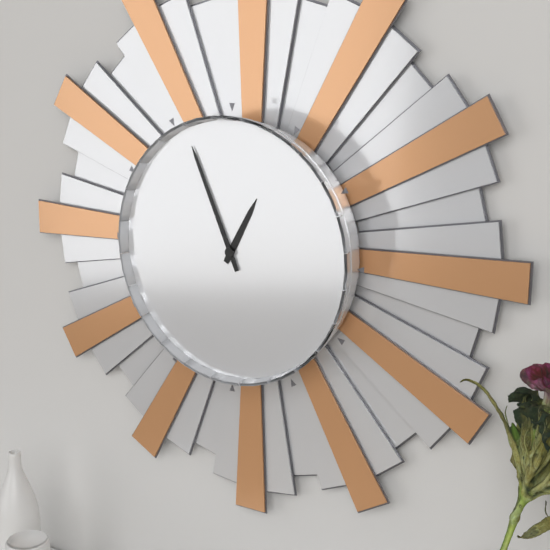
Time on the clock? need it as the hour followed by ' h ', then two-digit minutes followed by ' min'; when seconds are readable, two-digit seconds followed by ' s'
12 h 56 min
